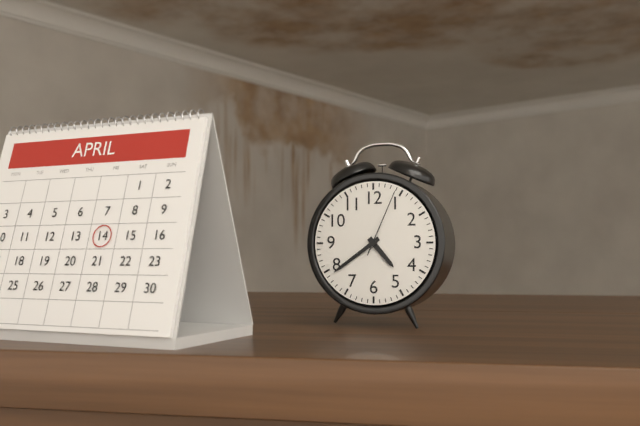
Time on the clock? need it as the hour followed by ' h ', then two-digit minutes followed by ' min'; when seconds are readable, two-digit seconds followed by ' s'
4 h 39 min 04 s
